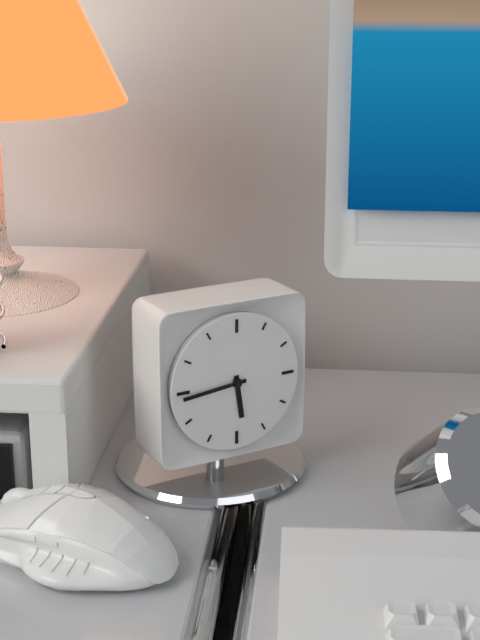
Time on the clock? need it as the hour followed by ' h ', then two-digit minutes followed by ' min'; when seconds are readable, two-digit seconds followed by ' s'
5 h 44 min
